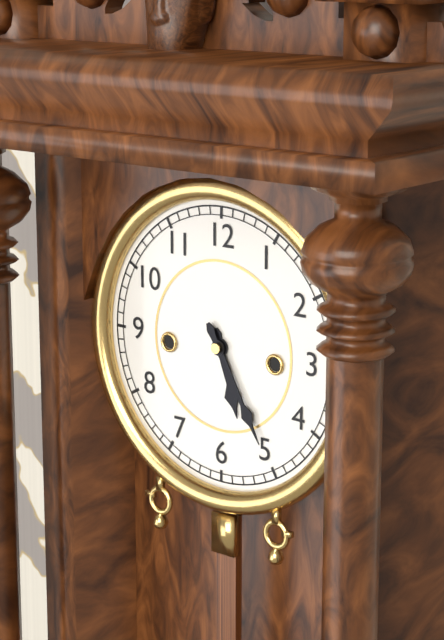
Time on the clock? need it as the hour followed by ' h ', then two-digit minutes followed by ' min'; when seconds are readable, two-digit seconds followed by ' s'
5 h 25 min
